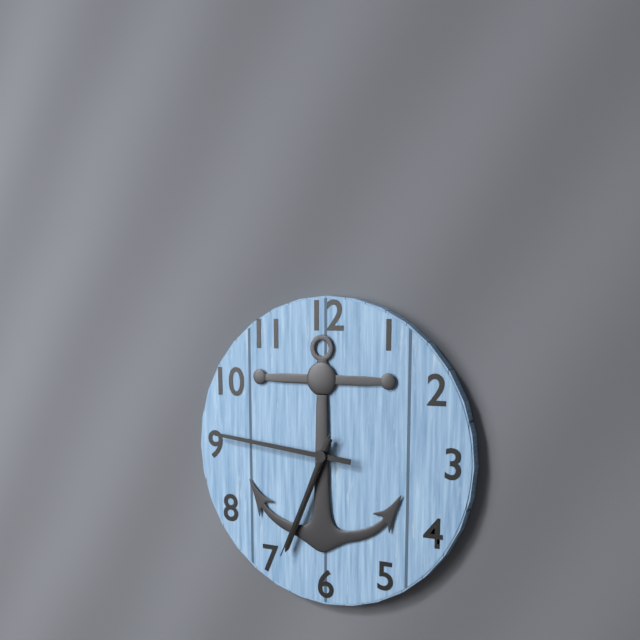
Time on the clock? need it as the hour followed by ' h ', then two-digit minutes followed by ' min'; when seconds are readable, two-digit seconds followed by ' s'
6 h 46 min 34 s
